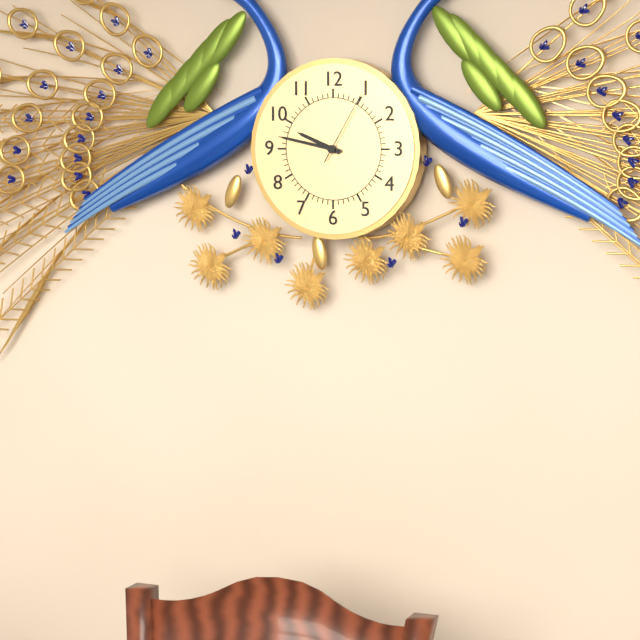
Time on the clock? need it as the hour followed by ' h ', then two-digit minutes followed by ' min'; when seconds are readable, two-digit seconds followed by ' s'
9 h 47 min 05 s
